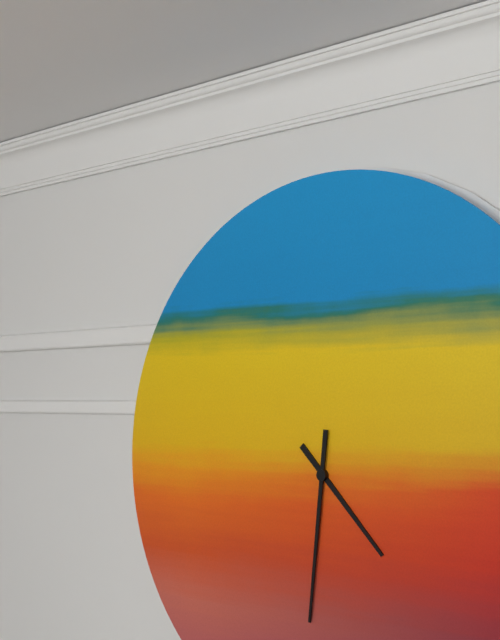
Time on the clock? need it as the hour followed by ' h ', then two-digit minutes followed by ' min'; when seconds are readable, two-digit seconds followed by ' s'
4 h 31 min
